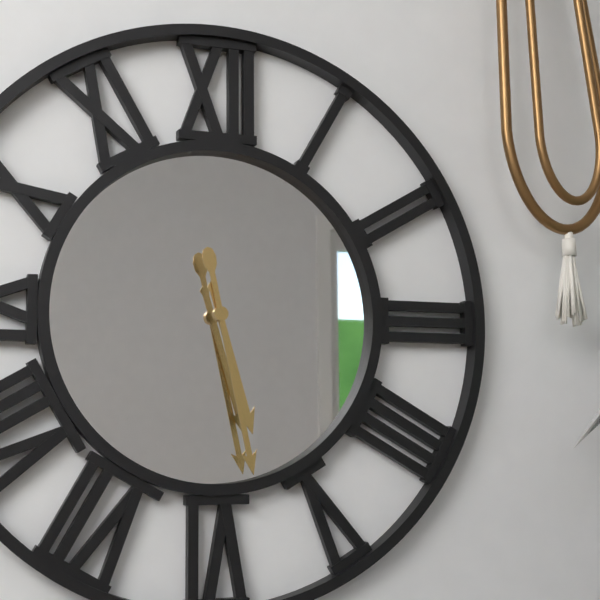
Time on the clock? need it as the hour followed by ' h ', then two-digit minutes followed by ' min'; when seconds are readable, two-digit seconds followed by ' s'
5 h 28 min
